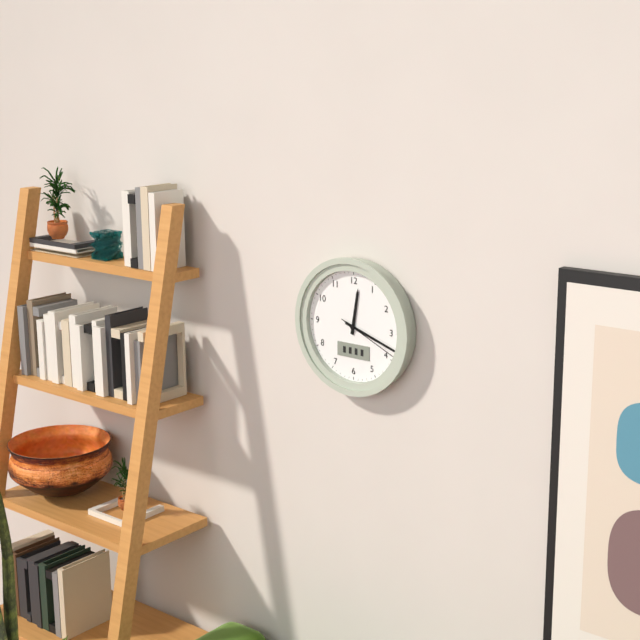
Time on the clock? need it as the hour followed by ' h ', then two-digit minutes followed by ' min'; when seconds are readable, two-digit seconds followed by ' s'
12 h 18 min 19 s
